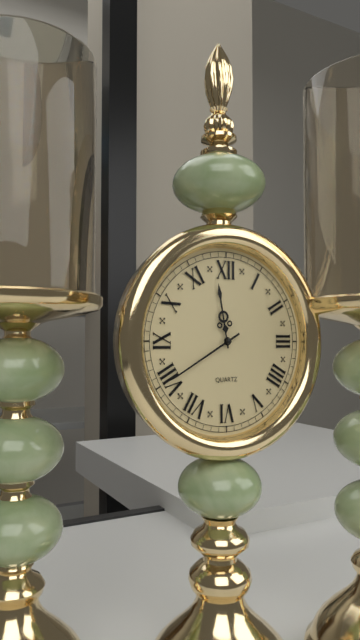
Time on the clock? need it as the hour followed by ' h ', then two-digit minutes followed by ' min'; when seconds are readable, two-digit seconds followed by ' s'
11 h 40 min
